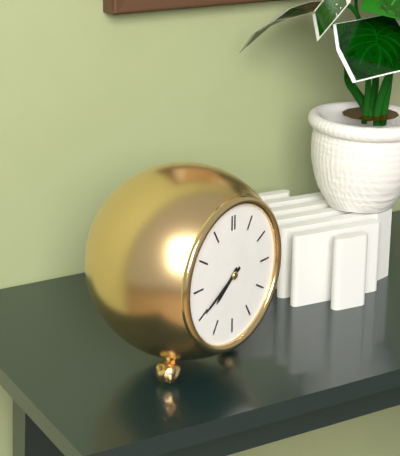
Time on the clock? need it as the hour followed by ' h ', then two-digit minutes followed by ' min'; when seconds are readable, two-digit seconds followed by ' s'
7 h 40 min
